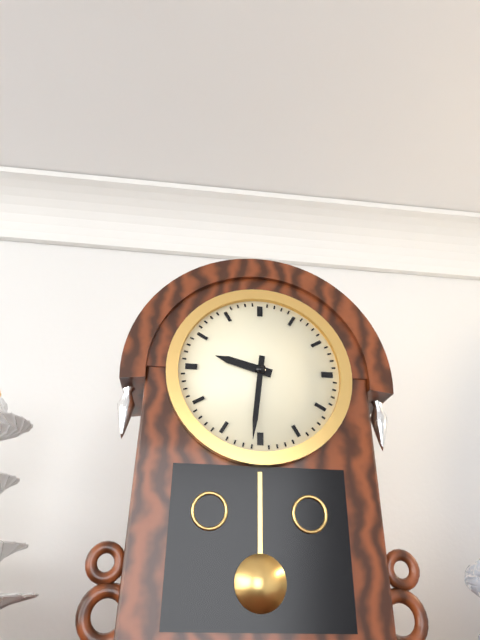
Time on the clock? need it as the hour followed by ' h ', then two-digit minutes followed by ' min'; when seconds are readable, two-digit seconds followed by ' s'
9 h 31 min
